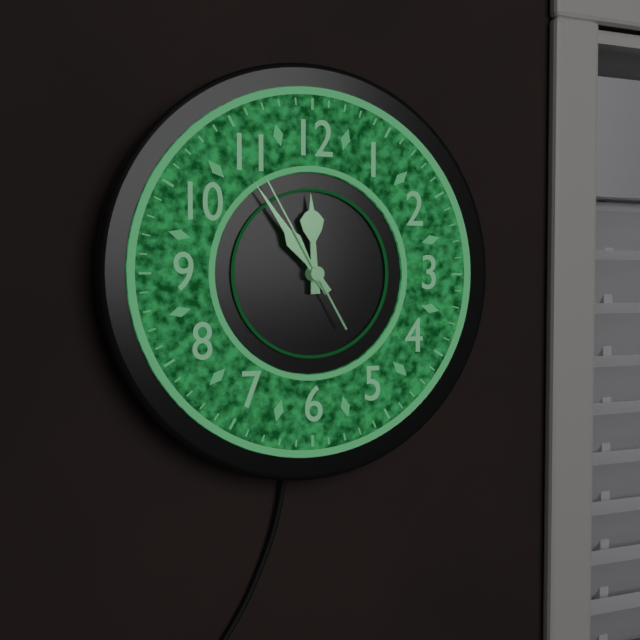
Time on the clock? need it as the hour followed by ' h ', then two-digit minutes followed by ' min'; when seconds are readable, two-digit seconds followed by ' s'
11 h 54 min 55 s
